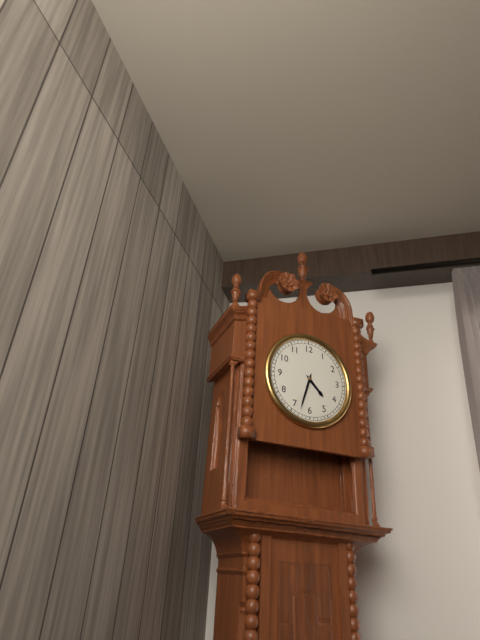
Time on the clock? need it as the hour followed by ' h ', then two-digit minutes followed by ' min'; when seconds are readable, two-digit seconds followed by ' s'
4 h 33 min
